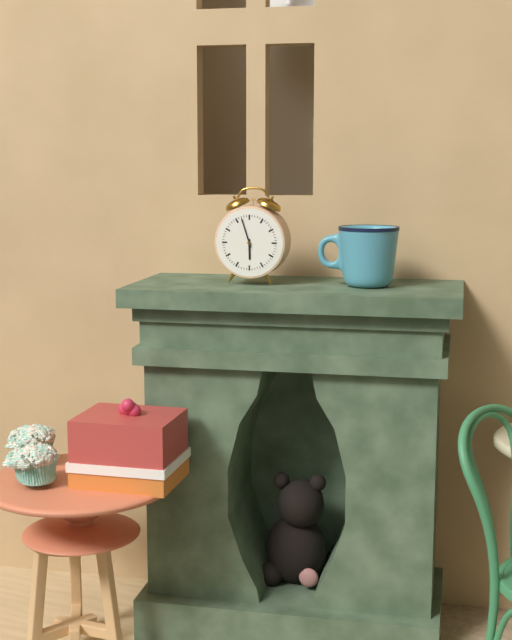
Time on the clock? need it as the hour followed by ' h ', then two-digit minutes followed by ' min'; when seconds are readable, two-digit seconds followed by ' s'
5 h 57 min
